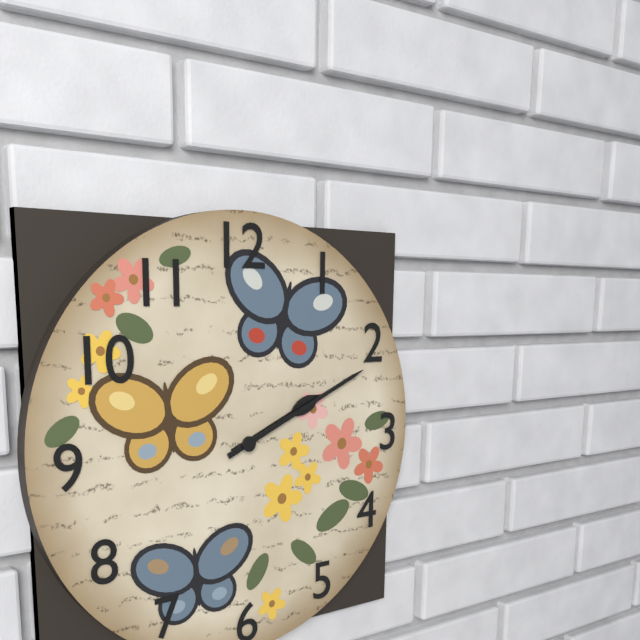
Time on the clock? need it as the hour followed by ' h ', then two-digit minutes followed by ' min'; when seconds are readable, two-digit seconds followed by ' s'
2 h 11 min
